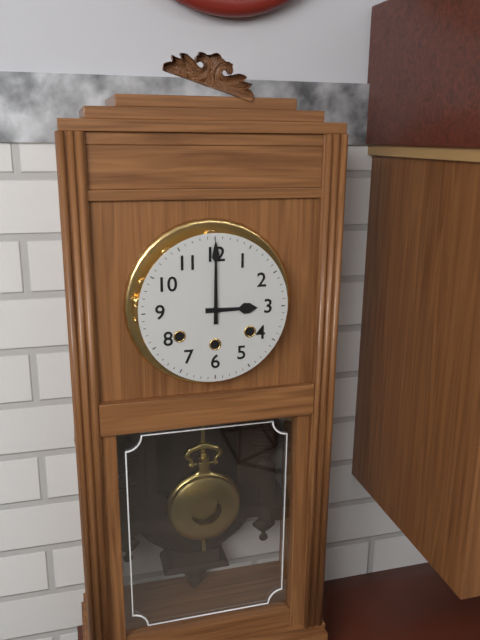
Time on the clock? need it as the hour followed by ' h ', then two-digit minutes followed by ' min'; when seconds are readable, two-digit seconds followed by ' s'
3 h 00 min
